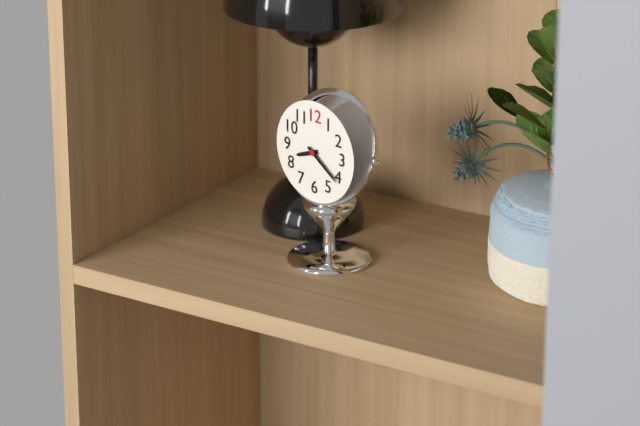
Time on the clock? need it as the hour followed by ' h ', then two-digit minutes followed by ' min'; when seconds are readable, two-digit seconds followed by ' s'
8 h 21 min
